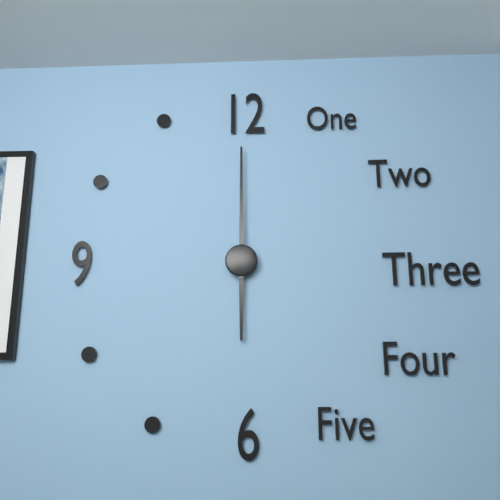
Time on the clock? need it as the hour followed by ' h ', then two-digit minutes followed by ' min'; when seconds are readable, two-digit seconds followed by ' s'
6 h 00 min
